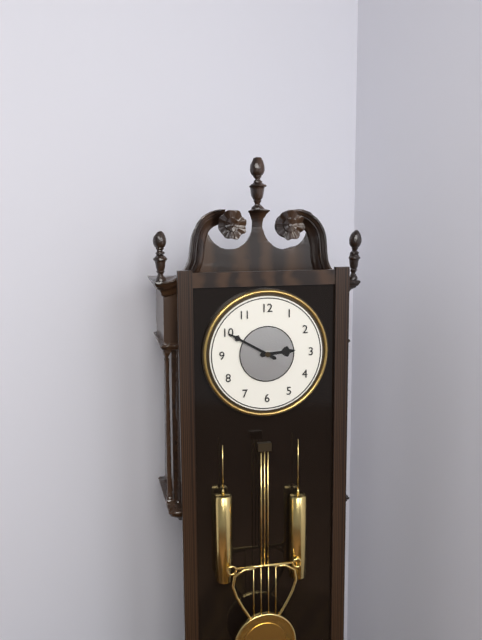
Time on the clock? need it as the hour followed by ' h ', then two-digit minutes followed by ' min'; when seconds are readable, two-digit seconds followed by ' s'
2 h 50 min
